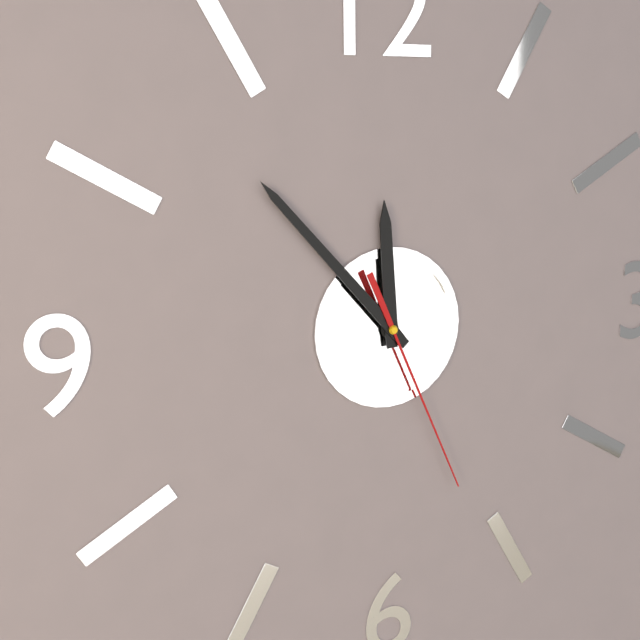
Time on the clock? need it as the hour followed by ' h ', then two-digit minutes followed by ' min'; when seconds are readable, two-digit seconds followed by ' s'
11 h 53 min 26 s
